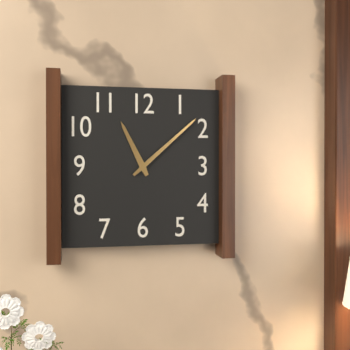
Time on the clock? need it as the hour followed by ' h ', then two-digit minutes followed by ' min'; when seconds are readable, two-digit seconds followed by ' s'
11 h 08 min
